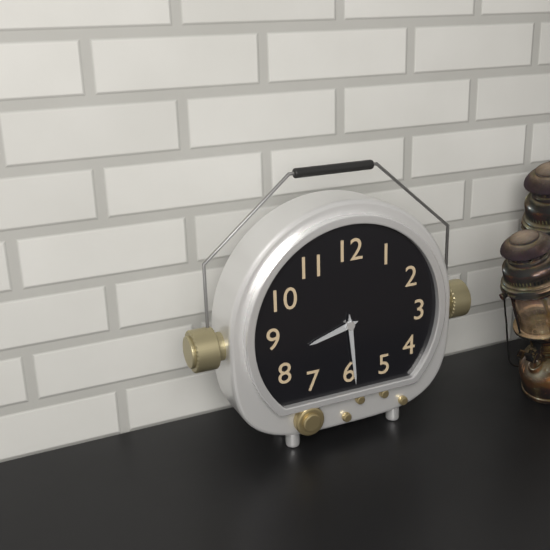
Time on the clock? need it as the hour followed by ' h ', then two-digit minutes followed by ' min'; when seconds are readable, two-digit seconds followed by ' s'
8 h 29 min
